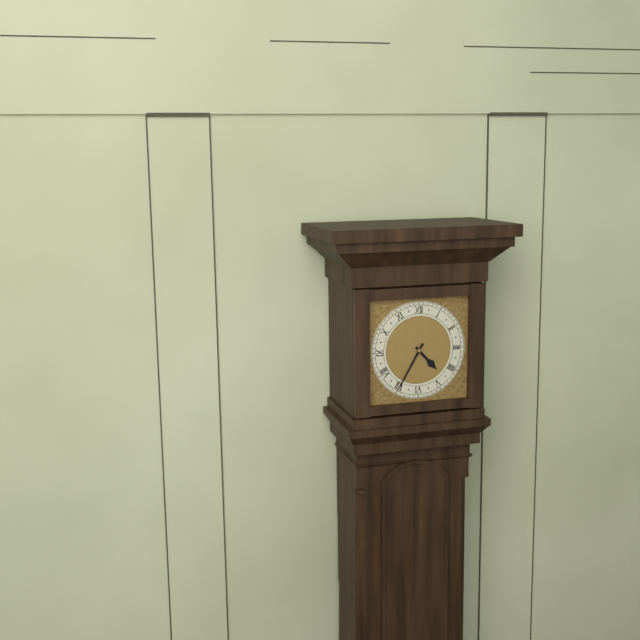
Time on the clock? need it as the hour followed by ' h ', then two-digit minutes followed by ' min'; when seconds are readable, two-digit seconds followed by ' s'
4 h 35 min
